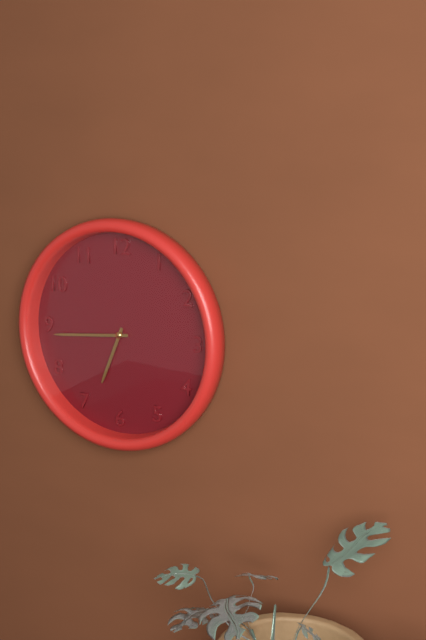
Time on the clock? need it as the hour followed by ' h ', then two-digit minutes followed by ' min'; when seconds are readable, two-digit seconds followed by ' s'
6 h 44 min
